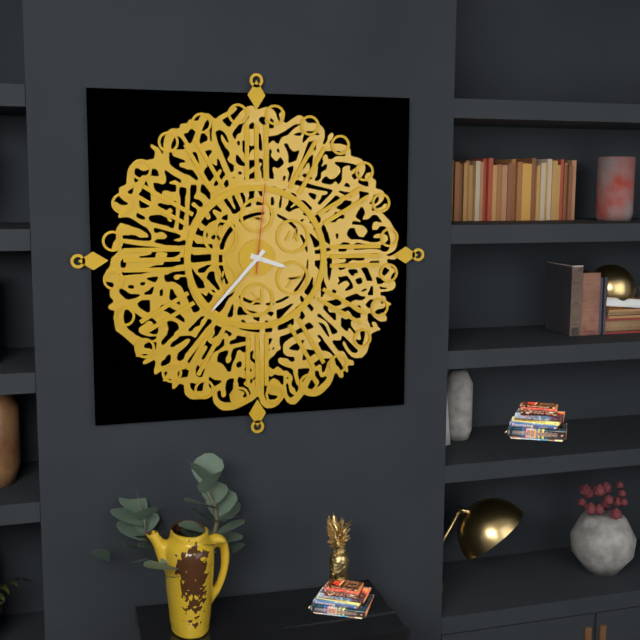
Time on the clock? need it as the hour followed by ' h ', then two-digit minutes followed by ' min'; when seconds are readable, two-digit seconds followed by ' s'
3 h 37 min 01 s
